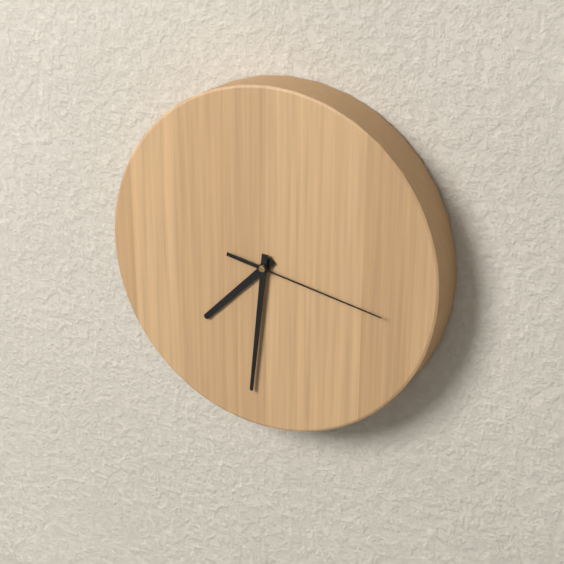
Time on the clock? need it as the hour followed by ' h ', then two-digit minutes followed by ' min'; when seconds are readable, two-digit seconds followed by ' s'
7 h 31 min 17 s
